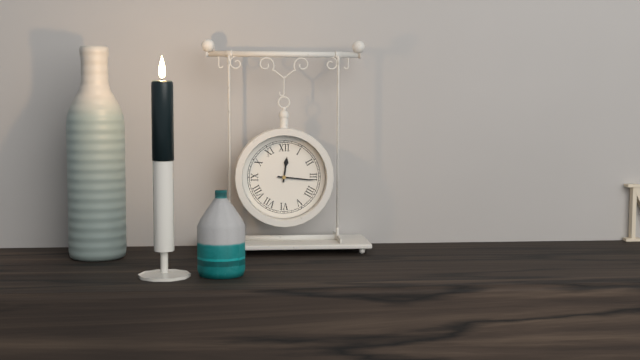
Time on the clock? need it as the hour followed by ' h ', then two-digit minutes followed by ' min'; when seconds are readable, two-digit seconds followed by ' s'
12 h 16 min
